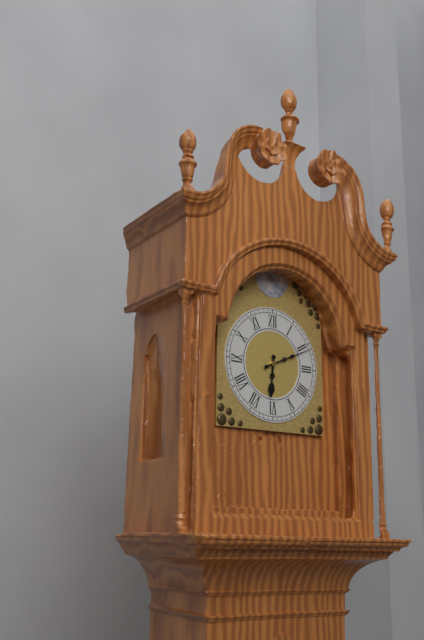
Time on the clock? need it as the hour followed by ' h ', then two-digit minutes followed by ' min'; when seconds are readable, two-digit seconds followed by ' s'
6 h 11 min
